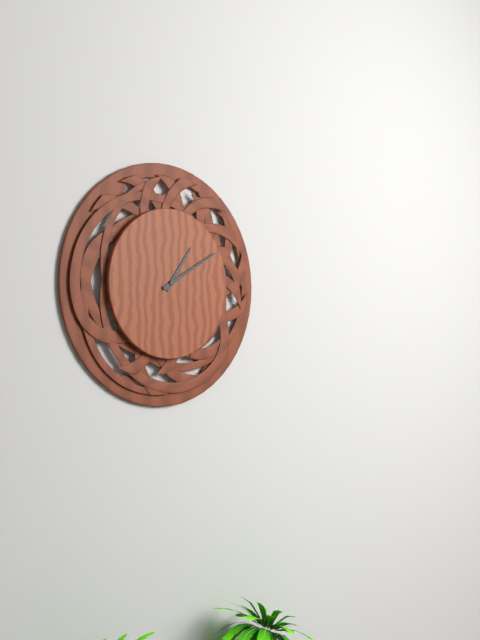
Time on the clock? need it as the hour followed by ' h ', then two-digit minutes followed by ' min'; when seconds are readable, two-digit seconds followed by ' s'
1 h 10 min
